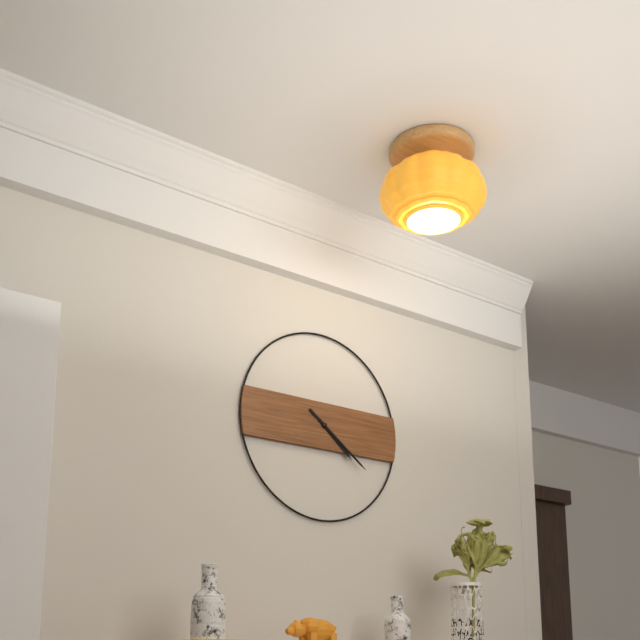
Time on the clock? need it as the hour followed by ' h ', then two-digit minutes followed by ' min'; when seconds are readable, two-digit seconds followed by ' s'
4 h 21 min
